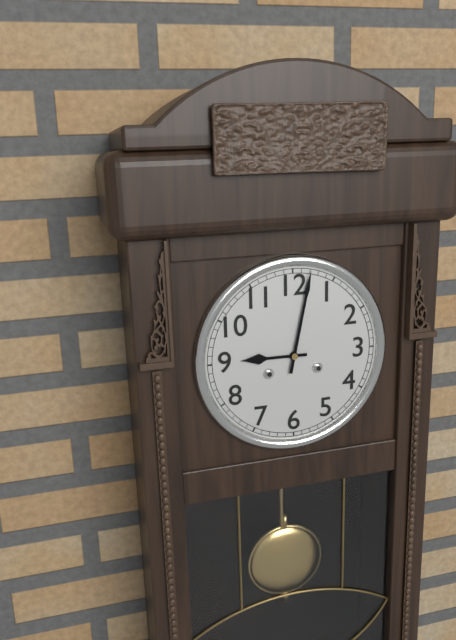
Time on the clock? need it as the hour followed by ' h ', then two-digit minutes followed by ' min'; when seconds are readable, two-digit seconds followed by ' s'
9 h 02 min
